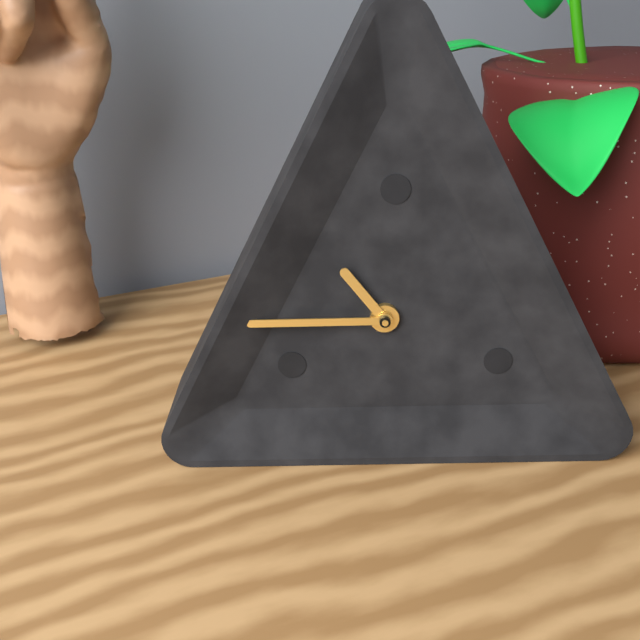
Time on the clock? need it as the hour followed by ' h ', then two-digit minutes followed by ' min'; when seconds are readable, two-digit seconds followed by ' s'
10 h 45 min
